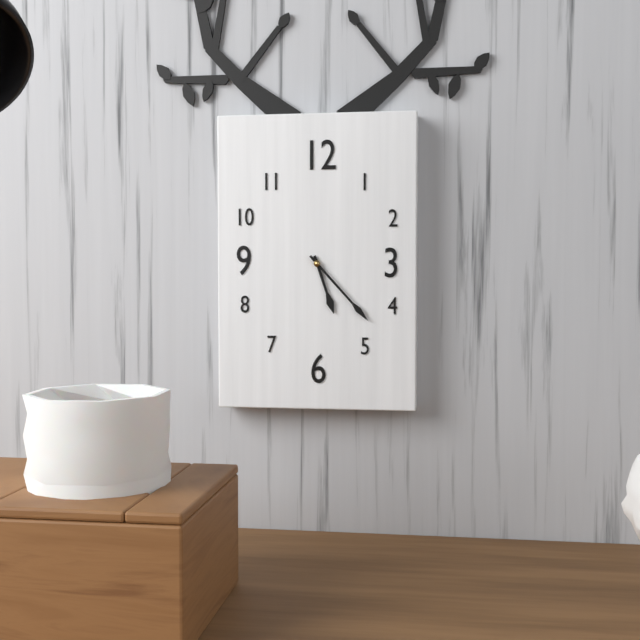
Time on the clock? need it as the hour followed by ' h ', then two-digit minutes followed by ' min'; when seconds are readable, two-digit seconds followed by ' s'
5 h 23 min
